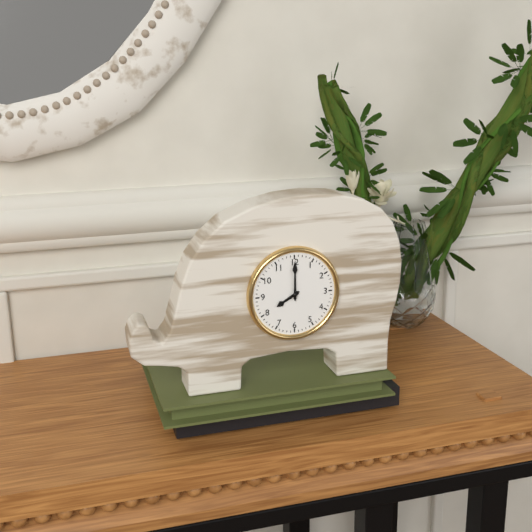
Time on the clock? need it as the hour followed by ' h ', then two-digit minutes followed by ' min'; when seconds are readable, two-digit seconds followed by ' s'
8 h 00 min
